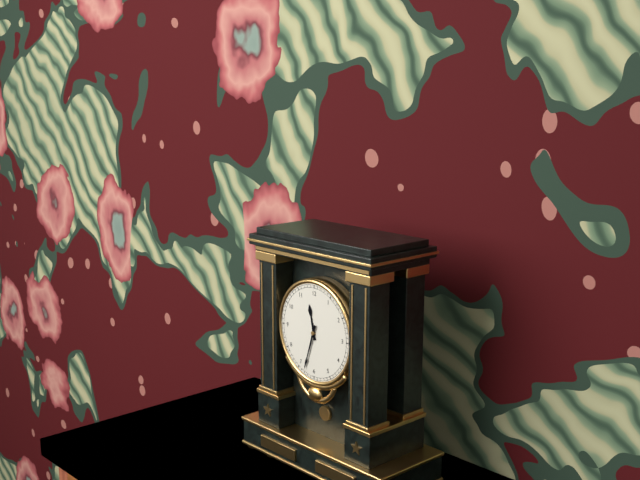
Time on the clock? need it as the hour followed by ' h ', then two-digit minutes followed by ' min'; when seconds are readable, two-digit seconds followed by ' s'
11 h 33 min
